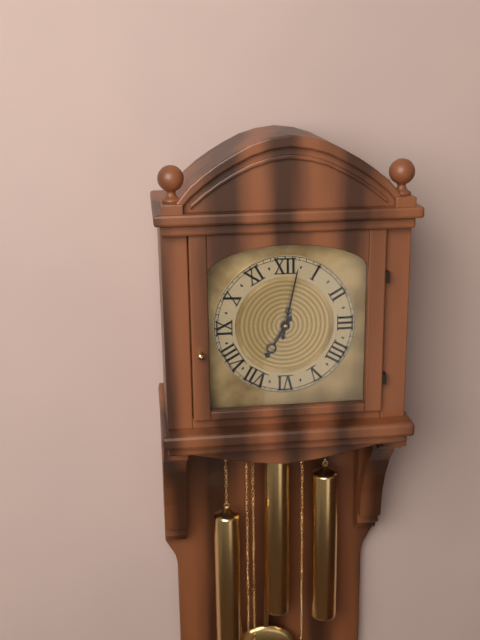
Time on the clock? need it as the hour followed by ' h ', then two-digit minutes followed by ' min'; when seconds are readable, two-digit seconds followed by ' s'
7 h 02 min
